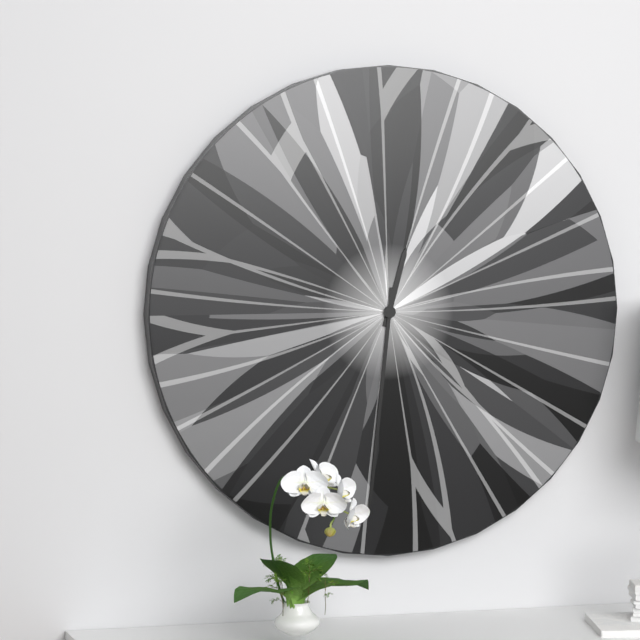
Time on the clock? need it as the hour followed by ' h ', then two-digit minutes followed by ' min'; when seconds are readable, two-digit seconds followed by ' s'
12 h 31 min
